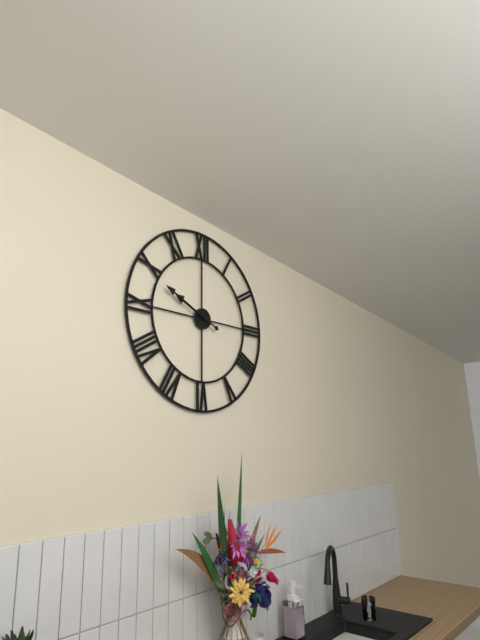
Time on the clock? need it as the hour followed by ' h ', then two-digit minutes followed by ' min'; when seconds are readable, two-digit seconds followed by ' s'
9 h 49 min
